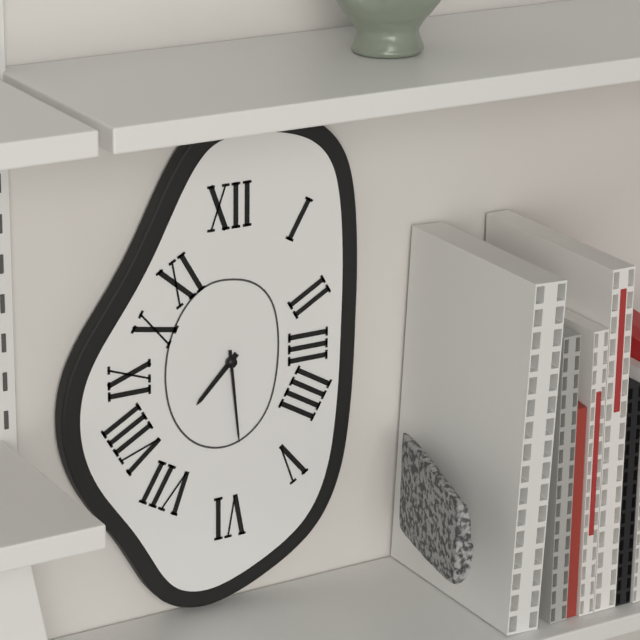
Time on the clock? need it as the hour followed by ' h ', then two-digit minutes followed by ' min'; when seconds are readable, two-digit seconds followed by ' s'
7 h 29 min
